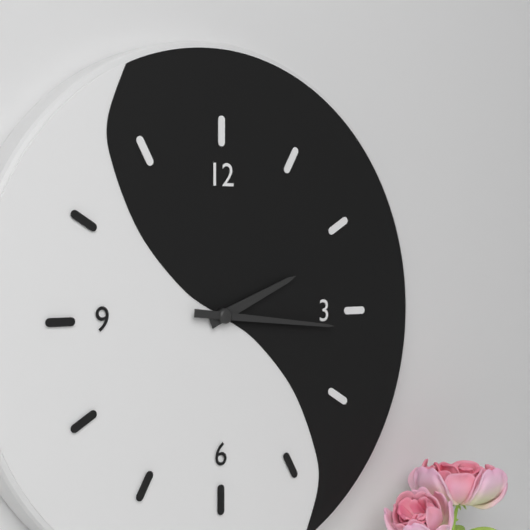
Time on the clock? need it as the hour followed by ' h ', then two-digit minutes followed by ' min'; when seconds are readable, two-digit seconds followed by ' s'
2 h 16 min
